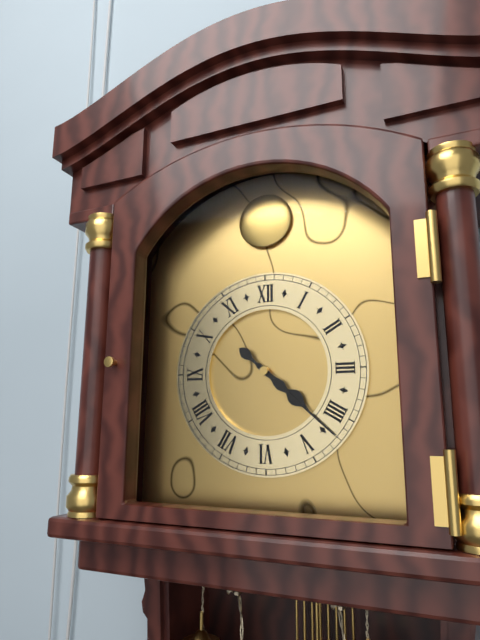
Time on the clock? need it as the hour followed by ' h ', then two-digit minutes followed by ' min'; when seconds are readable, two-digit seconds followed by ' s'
4 h 22 min
